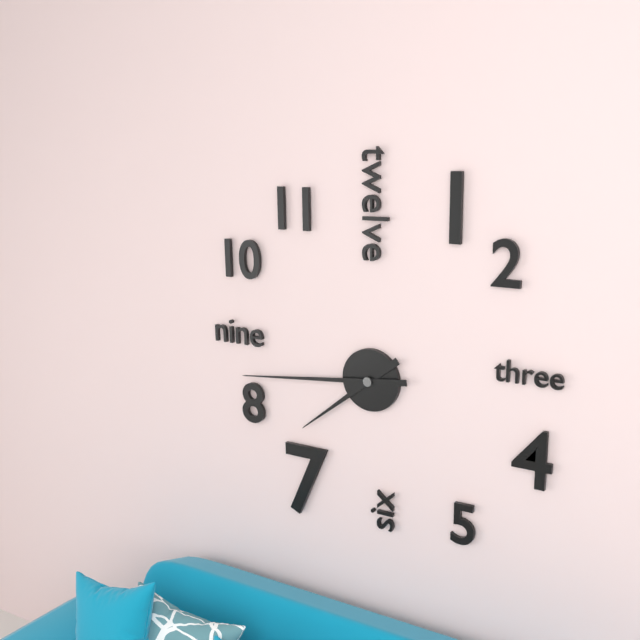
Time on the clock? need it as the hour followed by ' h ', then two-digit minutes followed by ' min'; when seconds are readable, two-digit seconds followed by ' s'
7 h 44 min
